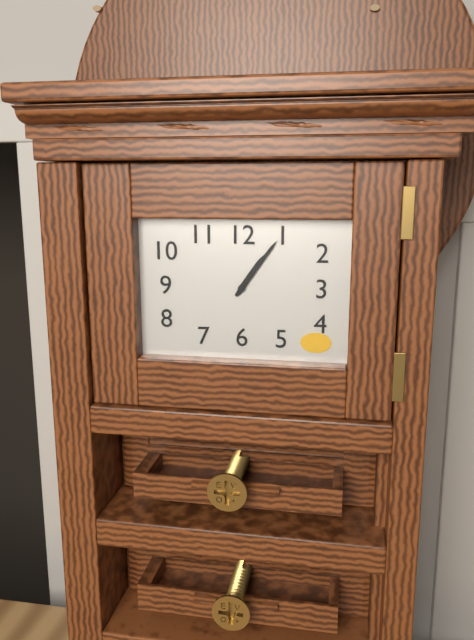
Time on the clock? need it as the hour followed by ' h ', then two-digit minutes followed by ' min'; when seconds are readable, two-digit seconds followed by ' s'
1 h 06 min
